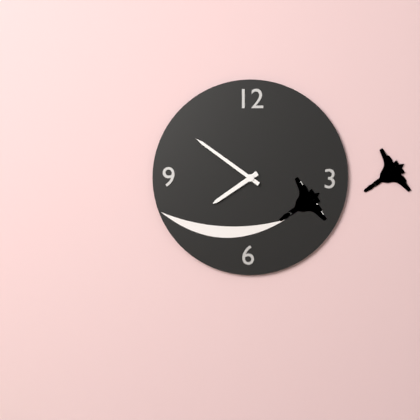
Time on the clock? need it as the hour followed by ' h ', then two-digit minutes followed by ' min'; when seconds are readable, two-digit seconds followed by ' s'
7 h 51 min
